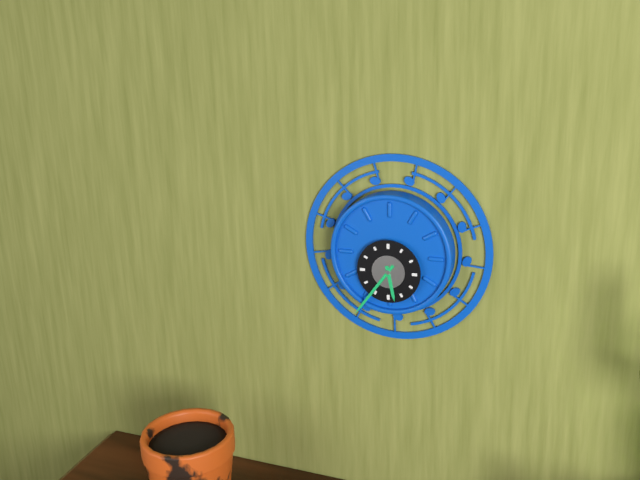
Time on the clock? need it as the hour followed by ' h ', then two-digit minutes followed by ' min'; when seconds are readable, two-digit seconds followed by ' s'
5 h 36 min
